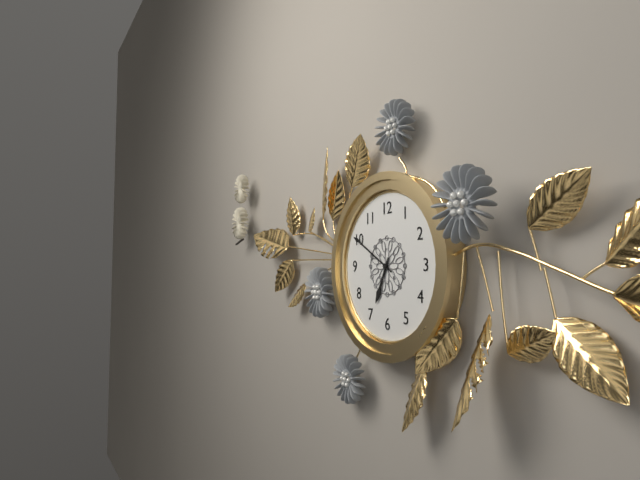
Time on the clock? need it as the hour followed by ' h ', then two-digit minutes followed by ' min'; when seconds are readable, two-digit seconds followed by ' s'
6 h 50 min
